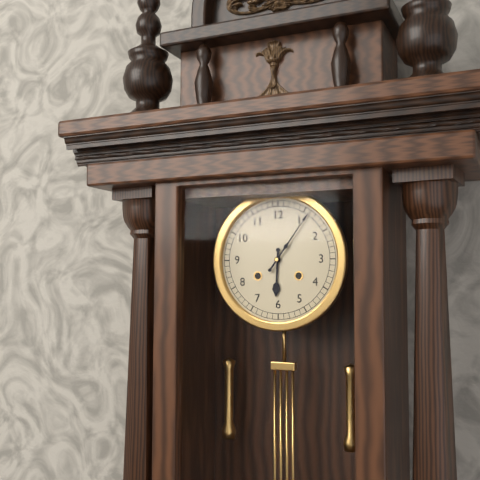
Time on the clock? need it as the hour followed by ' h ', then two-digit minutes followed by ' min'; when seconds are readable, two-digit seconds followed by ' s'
6 h 06 min
